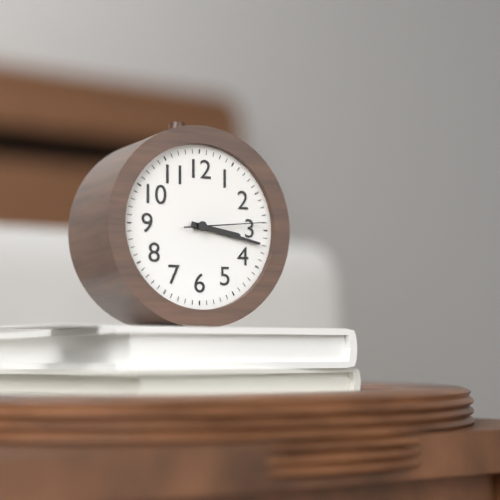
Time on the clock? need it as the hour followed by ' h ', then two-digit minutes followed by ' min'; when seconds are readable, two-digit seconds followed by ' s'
3 h 17 min 14 s
